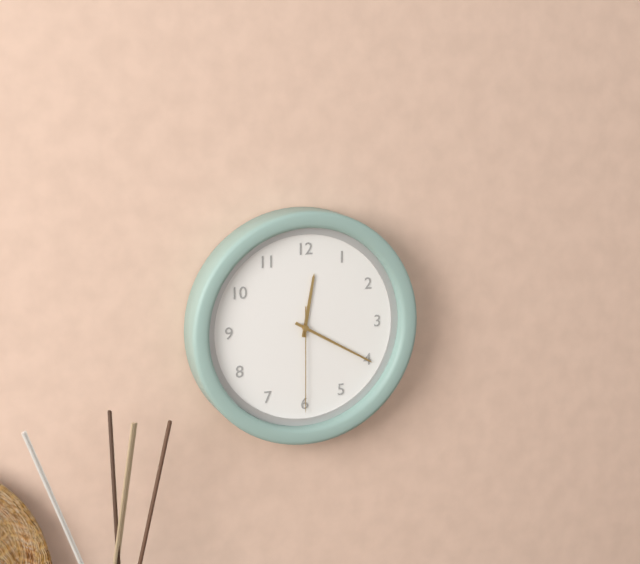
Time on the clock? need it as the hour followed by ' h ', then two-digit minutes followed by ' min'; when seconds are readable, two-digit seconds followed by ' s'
12 h 20 min 30 s
